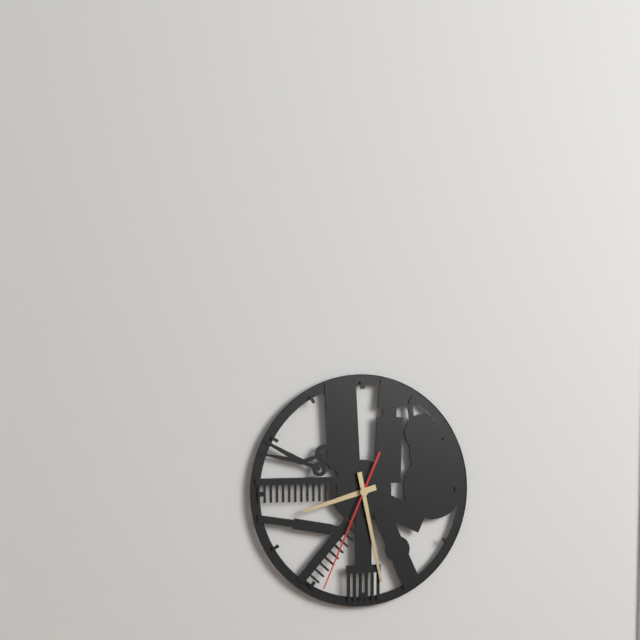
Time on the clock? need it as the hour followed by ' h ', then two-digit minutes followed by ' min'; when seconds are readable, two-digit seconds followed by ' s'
8 h 28 min 34 s
